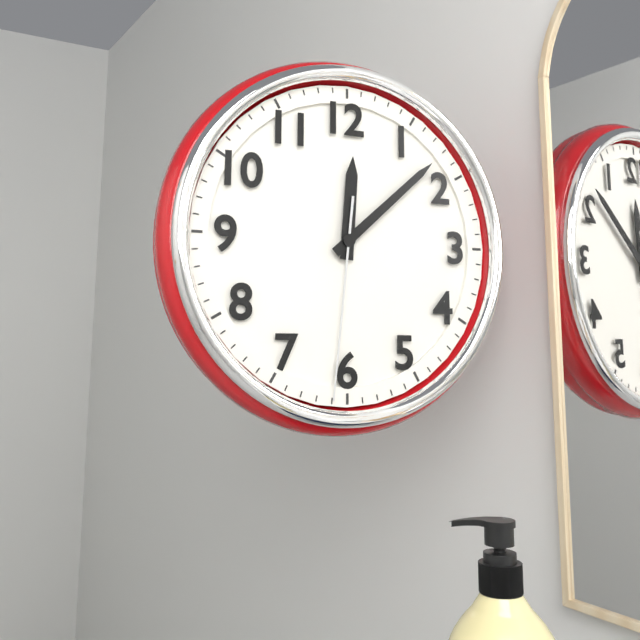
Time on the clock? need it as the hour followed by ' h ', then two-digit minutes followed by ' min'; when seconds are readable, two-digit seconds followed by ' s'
12 h 08 min 31 s
